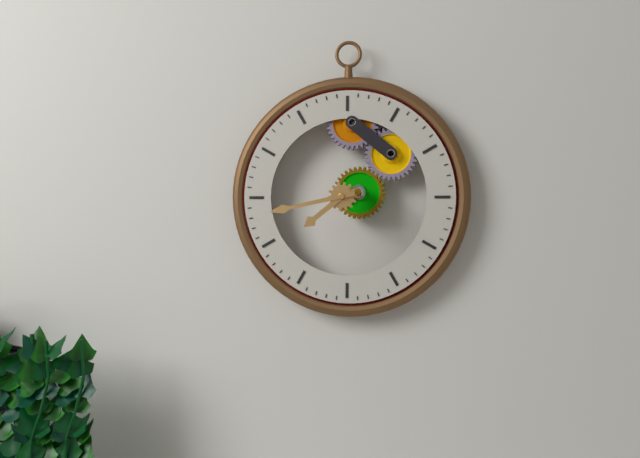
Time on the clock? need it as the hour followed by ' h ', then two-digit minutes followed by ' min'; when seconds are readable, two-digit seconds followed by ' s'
7 h 43 min
